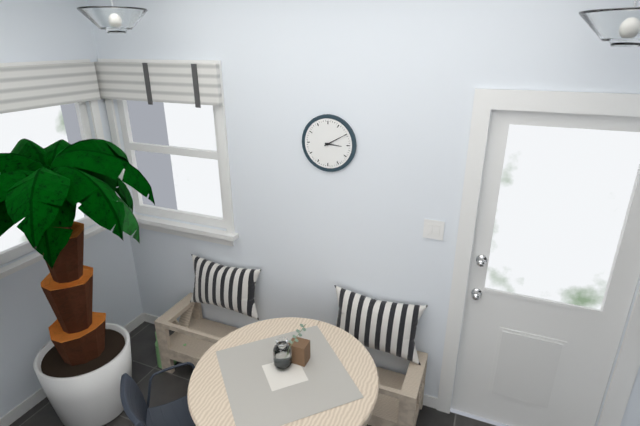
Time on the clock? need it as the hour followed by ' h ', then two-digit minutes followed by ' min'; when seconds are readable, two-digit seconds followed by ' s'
3 h 10 min
